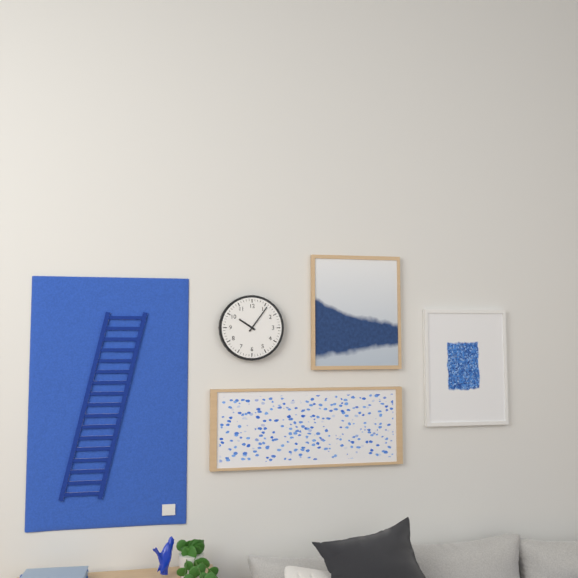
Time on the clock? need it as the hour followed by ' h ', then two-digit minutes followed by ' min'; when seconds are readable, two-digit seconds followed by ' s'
10 h 06 min
